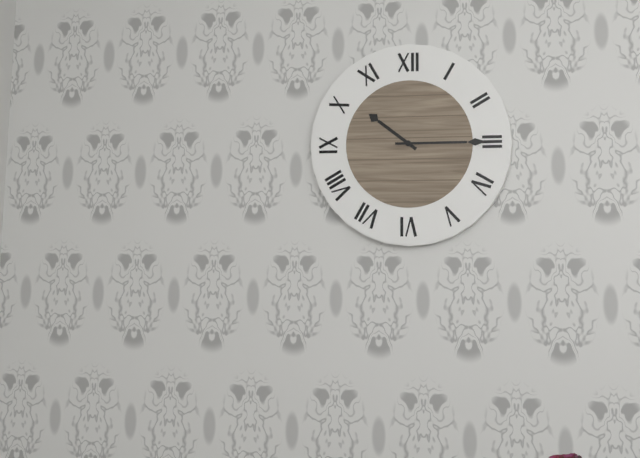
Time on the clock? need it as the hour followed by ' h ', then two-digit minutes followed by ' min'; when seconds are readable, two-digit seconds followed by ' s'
10 h 15 min
